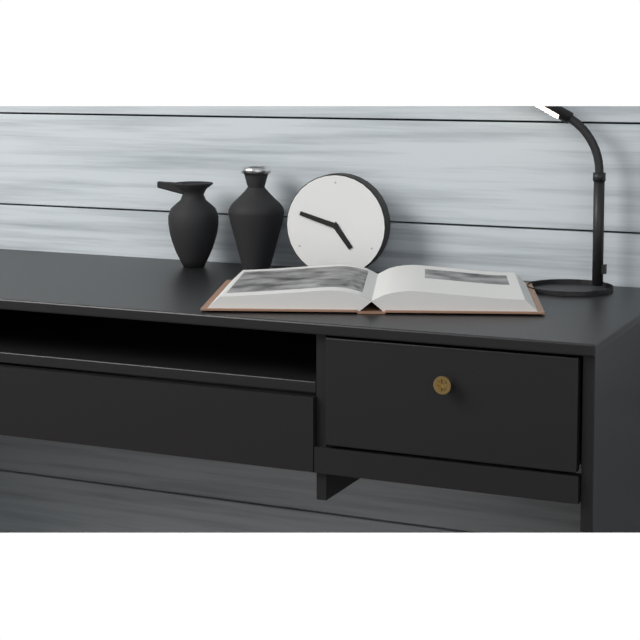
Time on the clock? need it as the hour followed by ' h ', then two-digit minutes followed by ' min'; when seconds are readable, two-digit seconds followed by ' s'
4 h 48 min
